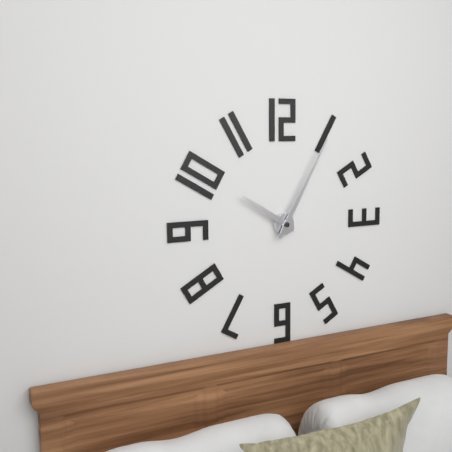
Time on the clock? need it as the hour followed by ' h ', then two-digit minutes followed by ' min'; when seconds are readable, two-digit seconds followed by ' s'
10 h 05 min
